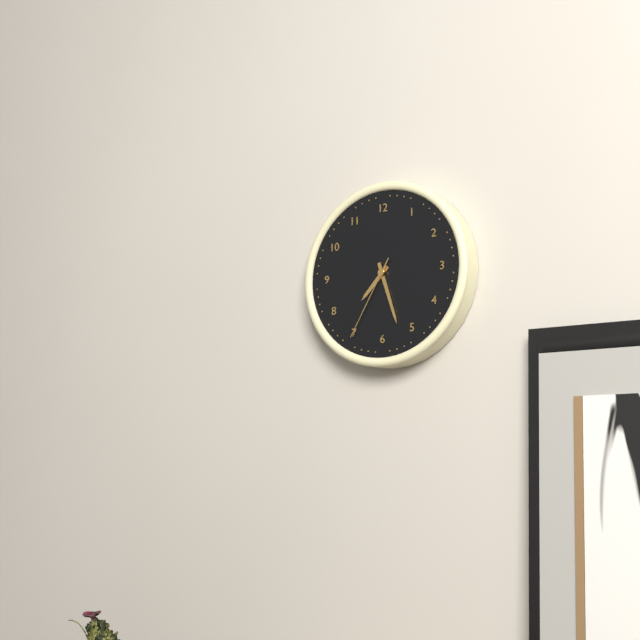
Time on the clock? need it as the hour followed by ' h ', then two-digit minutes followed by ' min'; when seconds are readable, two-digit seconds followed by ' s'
7 h 27 min 35 s
